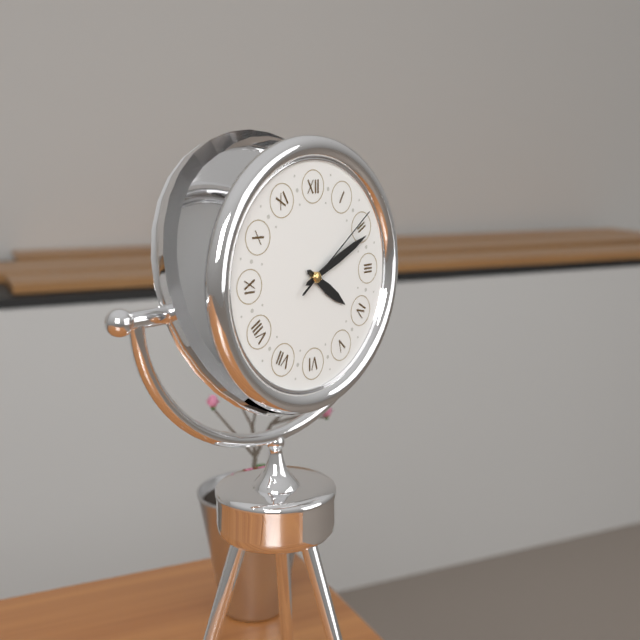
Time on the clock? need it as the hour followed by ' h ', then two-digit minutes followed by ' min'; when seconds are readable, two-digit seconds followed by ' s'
4 h 11 min 09 s
